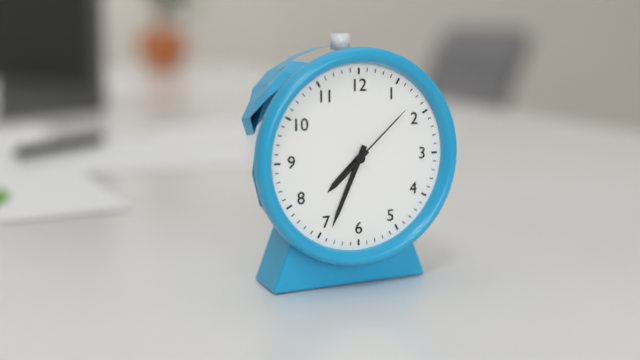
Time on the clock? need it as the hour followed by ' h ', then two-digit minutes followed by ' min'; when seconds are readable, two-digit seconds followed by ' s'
7 h 34 min 08 s
